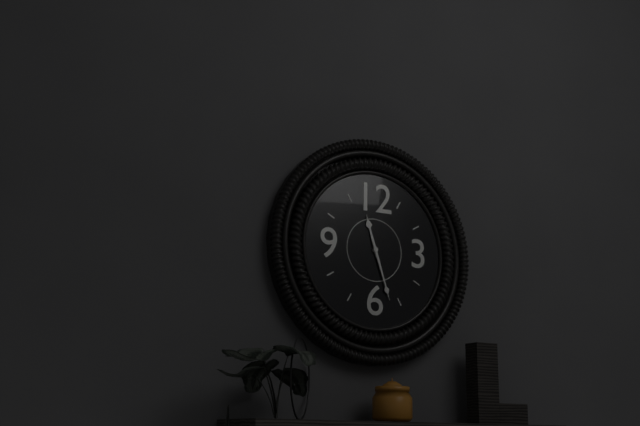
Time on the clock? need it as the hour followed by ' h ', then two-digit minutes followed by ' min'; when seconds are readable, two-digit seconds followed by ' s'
11 h 27 min
